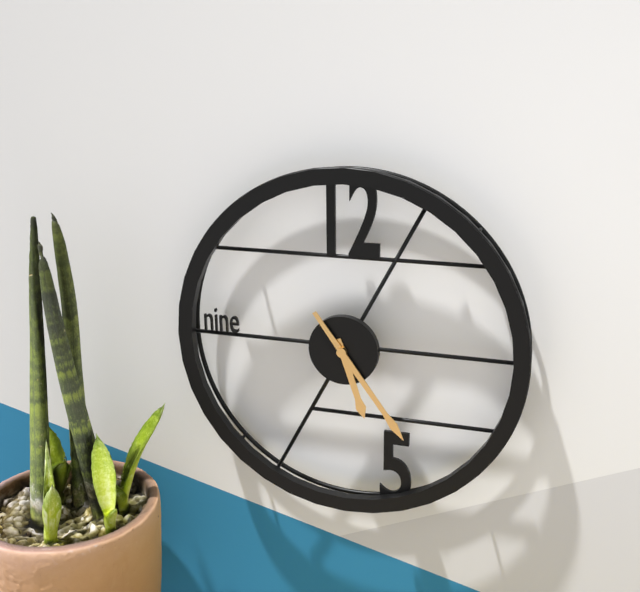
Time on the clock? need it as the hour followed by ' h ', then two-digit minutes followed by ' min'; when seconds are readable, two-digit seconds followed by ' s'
5 h 24 min
